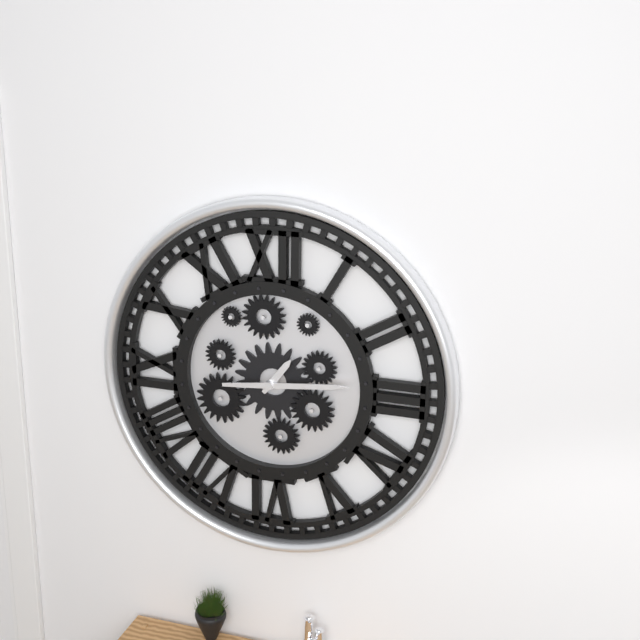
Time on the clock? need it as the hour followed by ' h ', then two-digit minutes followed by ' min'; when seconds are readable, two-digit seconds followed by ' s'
1 h 14 min
